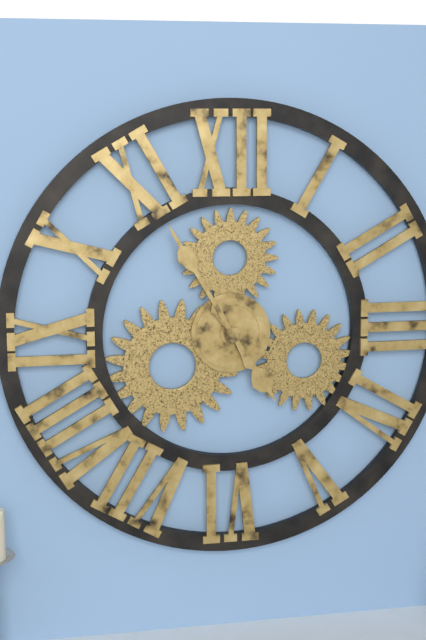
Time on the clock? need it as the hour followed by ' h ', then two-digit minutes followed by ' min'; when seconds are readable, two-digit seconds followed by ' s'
4 h 55 min
